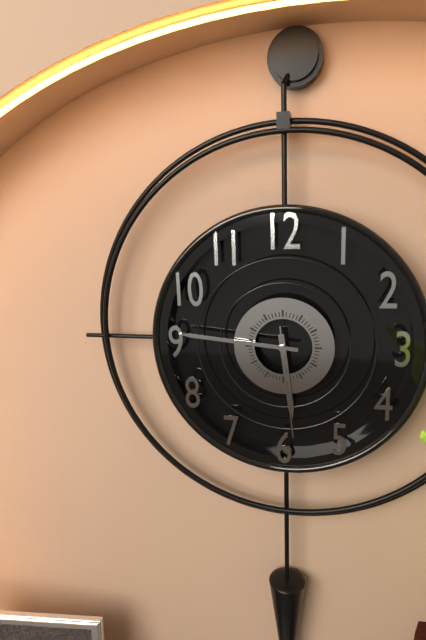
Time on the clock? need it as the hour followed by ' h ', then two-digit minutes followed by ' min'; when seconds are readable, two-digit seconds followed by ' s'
5 h 46 min 29 s
